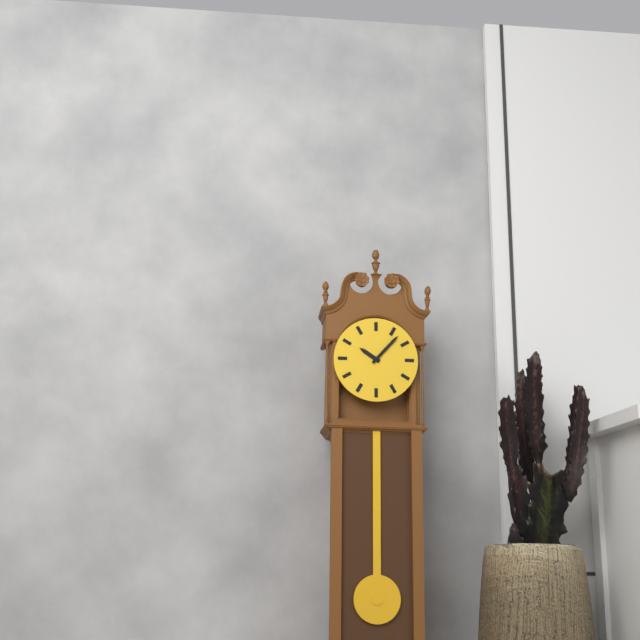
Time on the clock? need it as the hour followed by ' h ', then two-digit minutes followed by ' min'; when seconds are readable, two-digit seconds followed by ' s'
10 h 07 min
